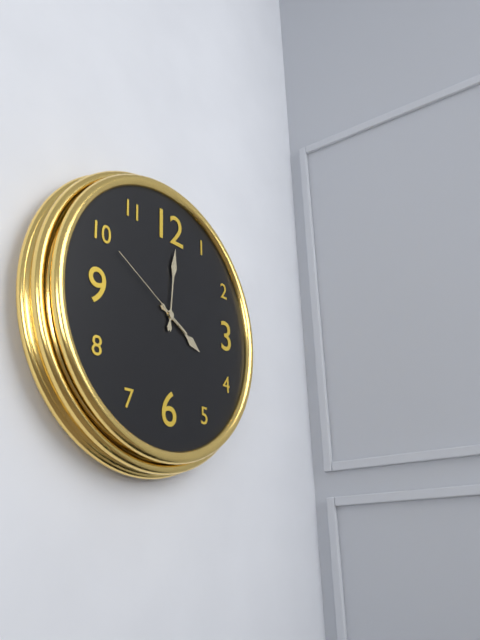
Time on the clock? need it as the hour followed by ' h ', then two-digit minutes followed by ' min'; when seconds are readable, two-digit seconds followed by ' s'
4 h 01 min 50 s
